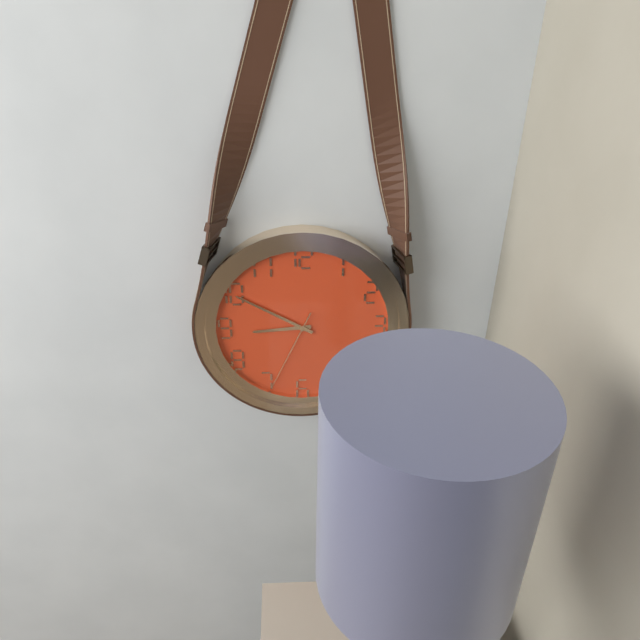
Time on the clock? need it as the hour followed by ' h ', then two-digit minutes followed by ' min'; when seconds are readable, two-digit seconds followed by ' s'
8 h 50 min 34 s
